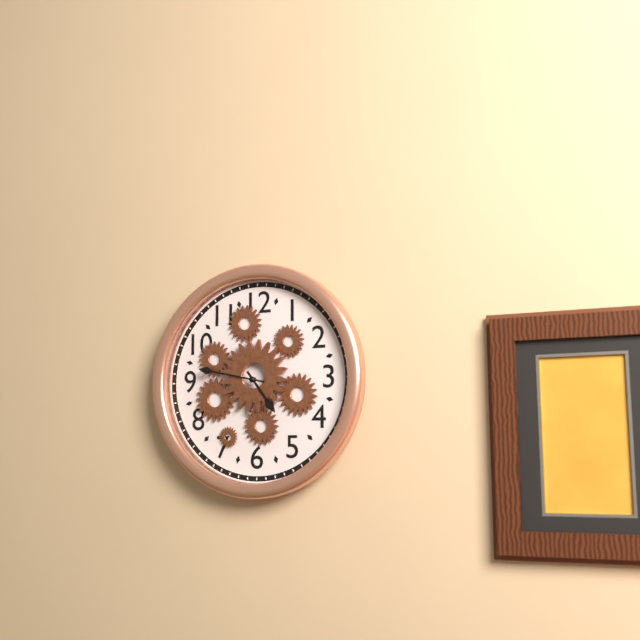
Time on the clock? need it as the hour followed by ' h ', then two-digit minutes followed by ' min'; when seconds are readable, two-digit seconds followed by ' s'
4 h 47 min
